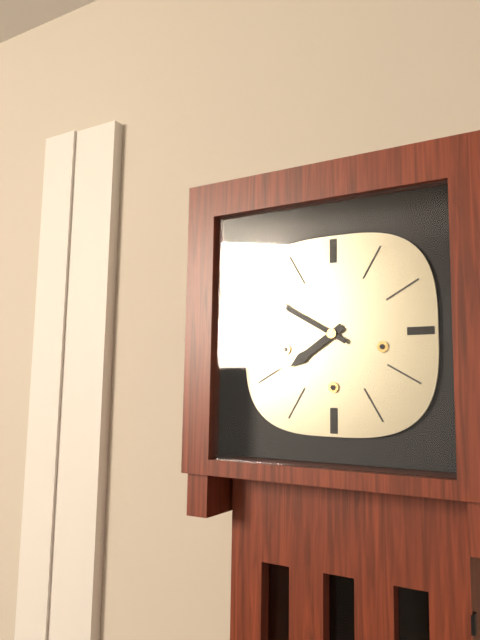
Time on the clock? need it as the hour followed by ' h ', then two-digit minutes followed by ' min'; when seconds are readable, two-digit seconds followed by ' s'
7 h 50 min
